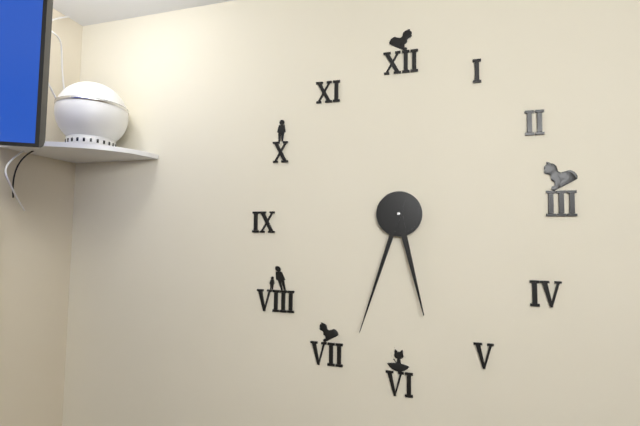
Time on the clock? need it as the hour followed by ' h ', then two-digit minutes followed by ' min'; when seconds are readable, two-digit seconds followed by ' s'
5 h 33 min
